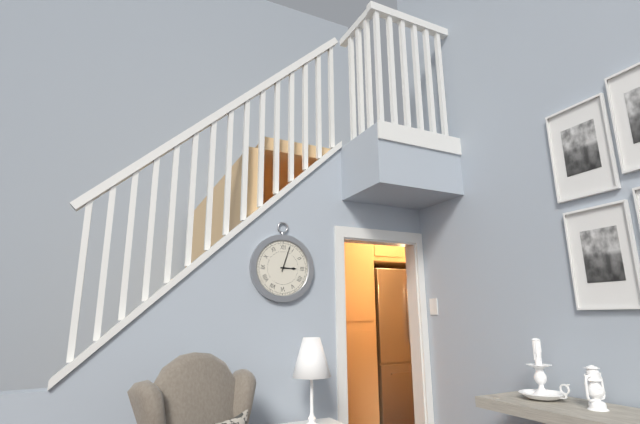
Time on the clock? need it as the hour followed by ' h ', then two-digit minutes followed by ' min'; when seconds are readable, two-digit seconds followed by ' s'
3 h 03 min
